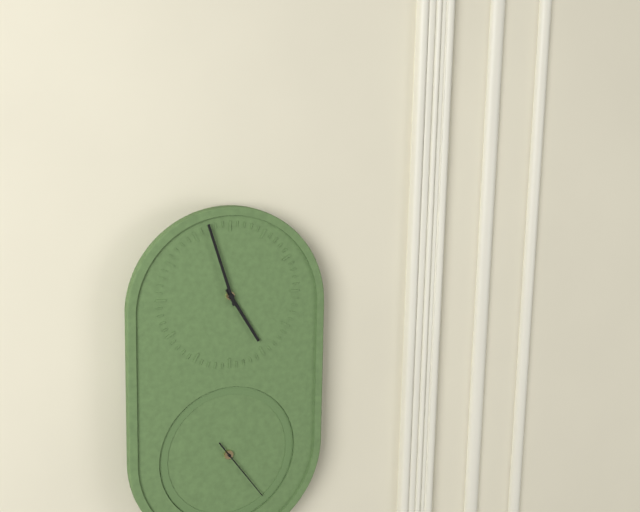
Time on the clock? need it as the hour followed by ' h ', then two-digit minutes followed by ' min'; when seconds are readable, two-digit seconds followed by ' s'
4 h 57 min 24 s
